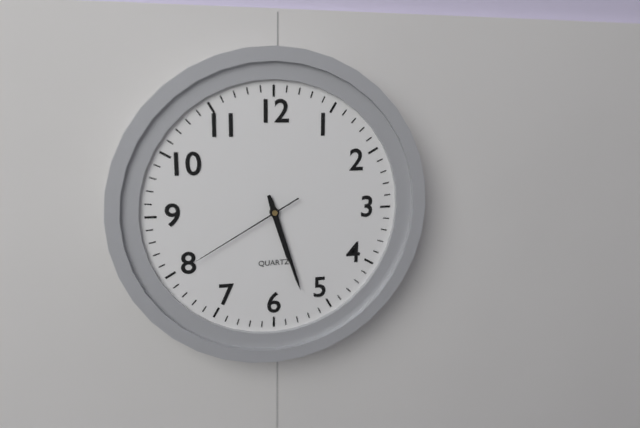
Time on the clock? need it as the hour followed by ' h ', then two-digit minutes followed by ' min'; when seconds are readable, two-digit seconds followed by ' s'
5 h 27 min 40 s
